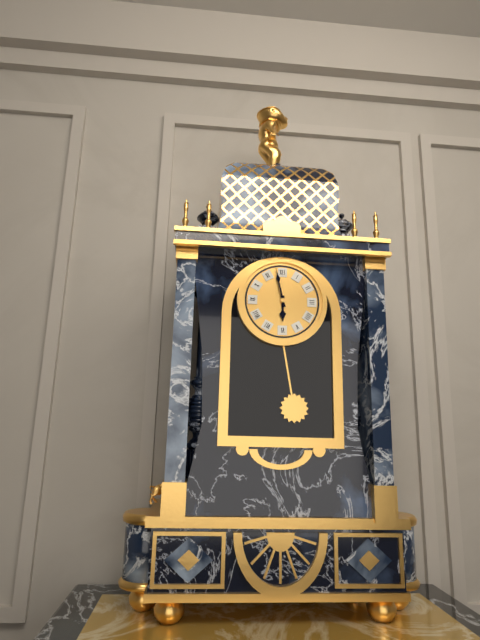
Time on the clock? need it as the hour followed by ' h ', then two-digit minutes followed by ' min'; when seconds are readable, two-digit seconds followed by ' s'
5 h 58 min
